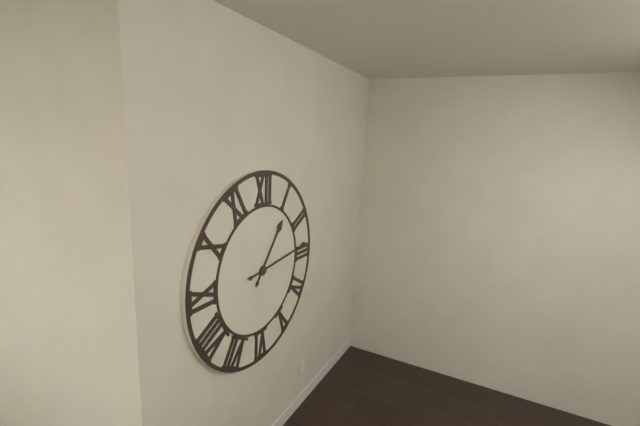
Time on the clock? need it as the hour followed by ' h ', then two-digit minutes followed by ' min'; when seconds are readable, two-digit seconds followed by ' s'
1 h 14 min
